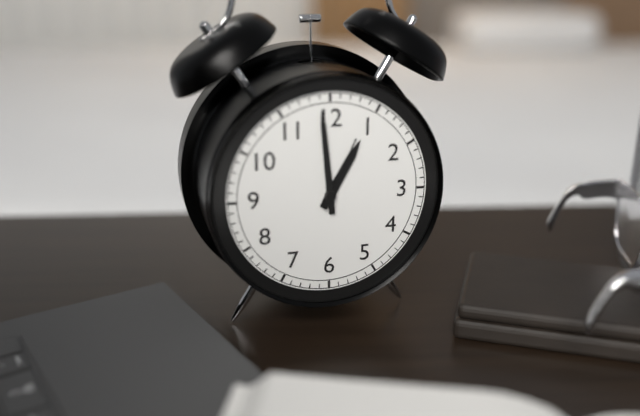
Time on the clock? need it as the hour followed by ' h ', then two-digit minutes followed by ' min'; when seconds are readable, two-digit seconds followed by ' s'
12 h 59 min 04 s
